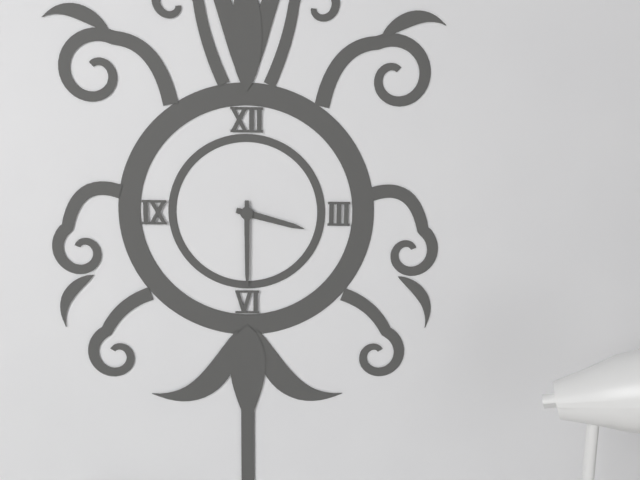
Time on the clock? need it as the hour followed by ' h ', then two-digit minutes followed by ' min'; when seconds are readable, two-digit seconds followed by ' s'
3 h 30 min
